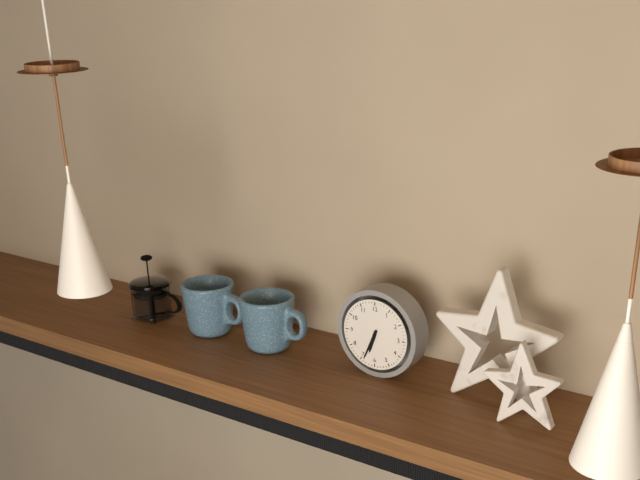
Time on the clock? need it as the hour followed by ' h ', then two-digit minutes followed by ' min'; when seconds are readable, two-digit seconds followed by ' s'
6 h 34 min
